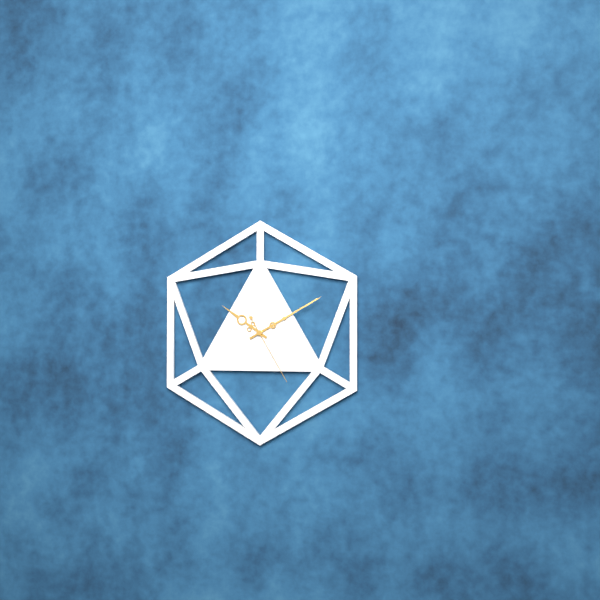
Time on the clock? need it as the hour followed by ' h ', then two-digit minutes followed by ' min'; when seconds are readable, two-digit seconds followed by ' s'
10 h 10 min 25 s
